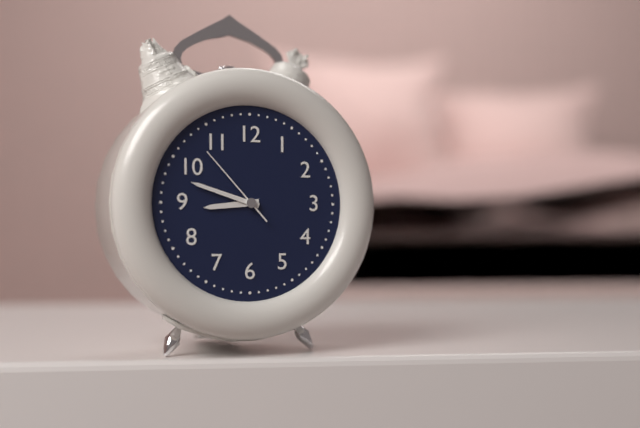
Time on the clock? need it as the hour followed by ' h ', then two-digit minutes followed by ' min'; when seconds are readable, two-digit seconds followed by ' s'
8 h 48 min 53 s
